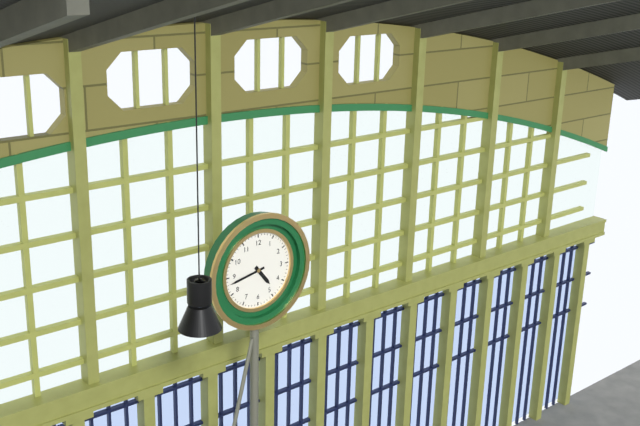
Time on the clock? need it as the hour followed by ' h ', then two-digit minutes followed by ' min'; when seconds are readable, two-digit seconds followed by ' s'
4 h 43 min
